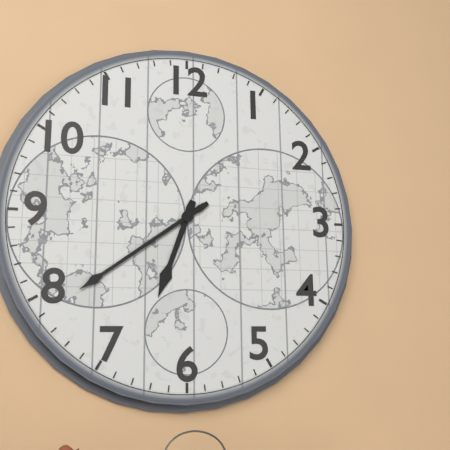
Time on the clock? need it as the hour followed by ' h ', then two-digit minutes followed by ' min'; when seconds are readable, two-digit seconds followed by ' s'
6 h 39 min
